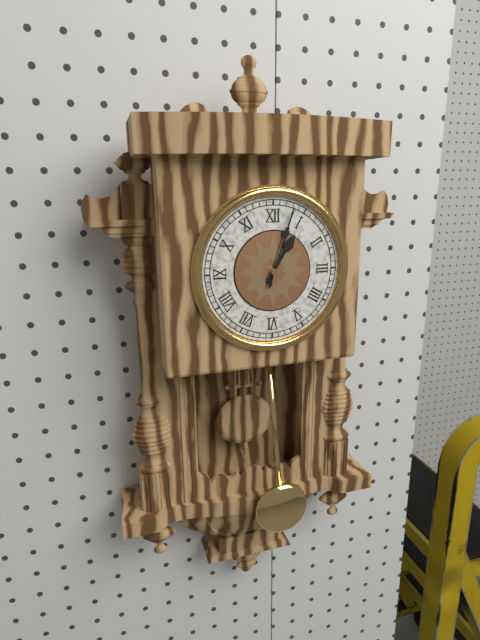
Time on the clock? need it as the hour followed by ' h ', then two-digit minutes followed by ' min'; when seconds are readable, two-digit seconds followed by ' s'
1 h 03 min
